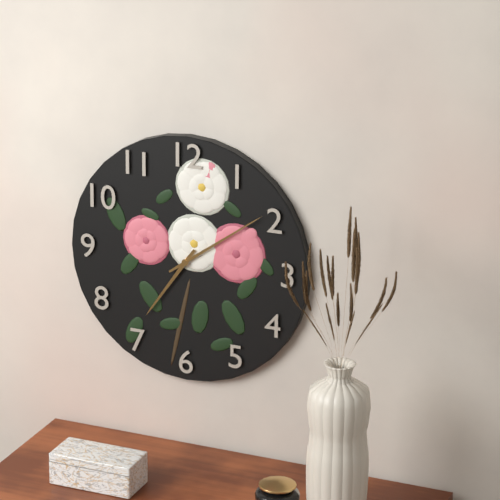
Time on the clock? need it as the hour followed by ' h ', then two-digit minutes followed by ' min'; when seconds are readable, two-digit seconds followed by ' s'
7 h 09 min
